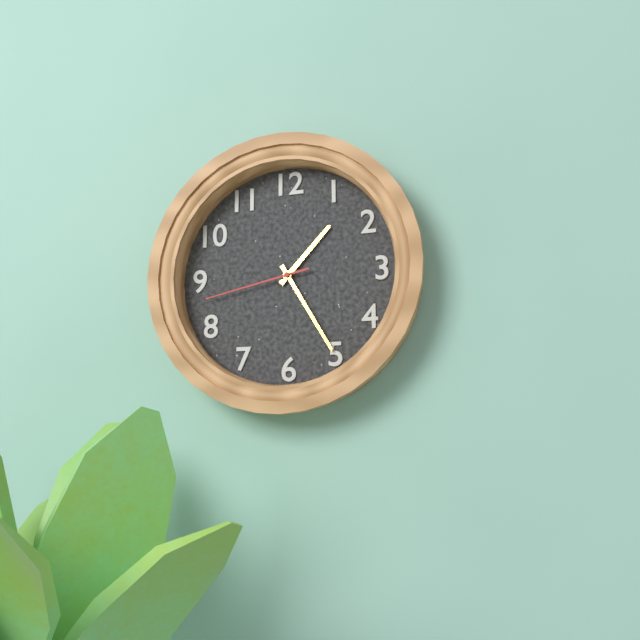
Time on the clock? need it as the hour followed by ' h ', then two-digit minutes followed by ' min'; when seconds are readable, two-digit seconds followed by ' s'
1 h 25 min 43 s
